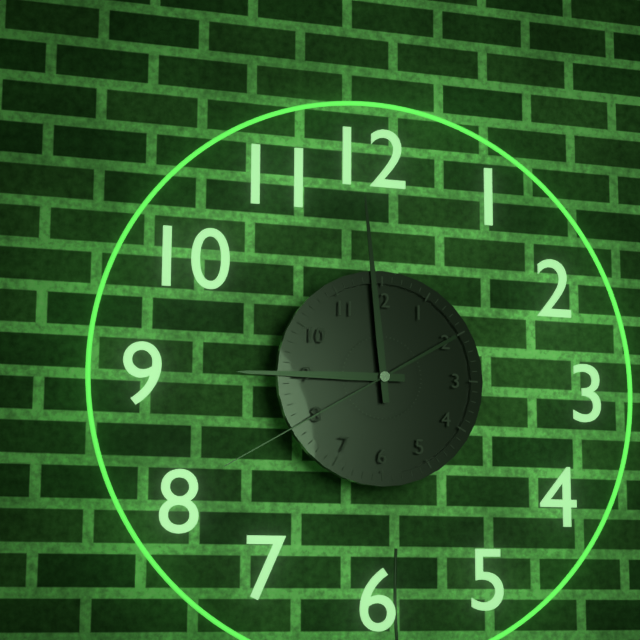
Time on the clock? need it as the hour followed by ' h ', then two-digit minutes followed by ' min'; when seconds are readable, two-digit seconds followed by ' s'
8 h 59 min 40 s
